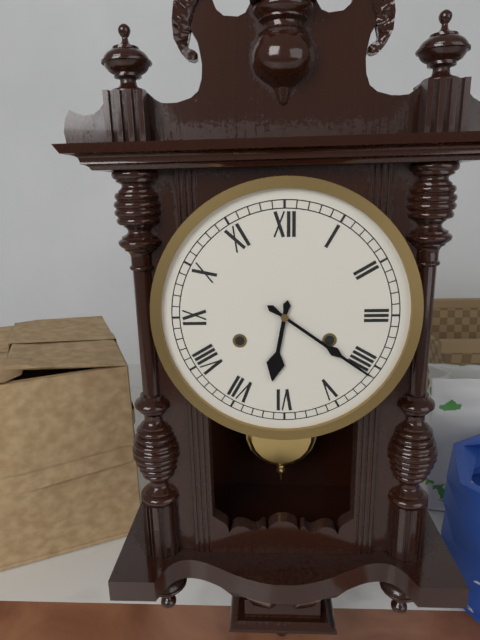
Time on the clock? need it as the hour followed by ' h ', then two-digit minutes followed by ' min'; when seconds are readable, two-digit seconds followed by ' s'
6 h 21 min
